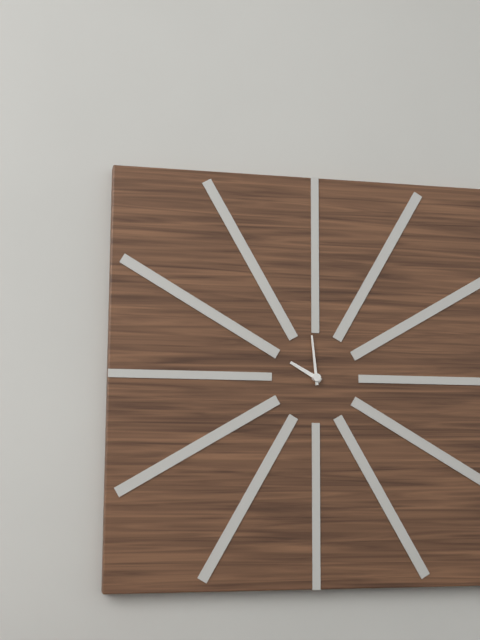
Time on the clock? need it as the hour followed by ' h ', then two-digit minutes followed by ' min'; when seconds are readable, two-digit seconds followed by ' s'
9 h 59 min
